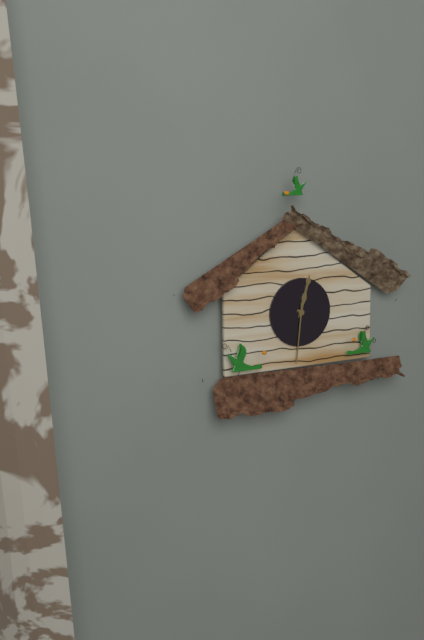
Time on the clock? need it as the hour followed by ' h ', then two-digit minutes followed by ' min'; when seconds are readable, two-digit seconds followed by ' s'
12 h 31 min
